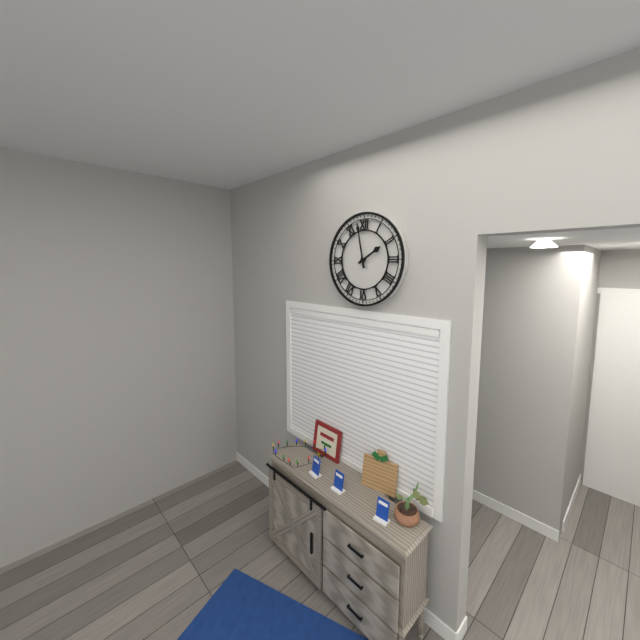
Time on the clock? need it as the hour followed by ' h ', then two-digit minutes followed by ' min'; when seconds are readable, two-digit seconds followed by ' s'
1 h 58 min
